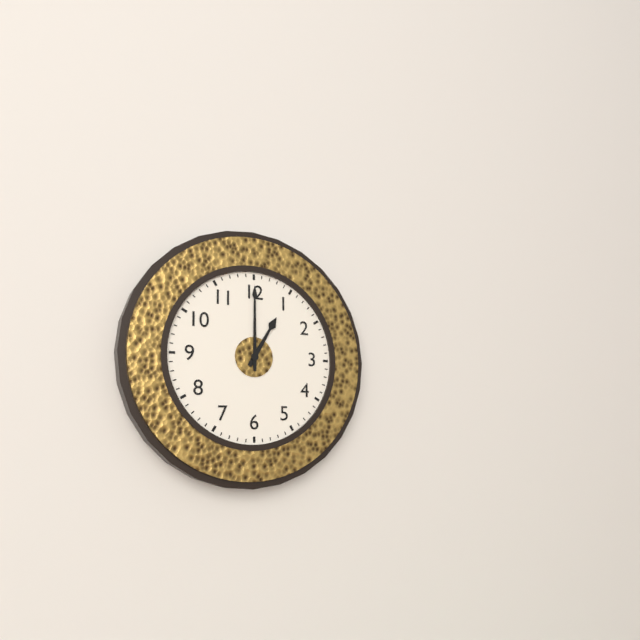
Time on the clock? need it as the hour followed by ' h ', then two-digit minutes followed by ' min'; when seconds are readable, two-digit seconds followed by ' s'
1 h 00 min
